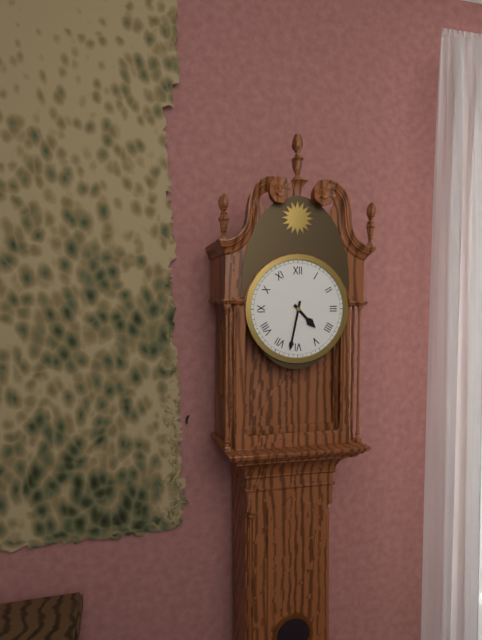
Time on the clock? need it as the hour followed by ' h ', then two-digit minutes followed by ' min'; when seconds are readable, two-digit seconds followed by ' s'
4 h 32 min
